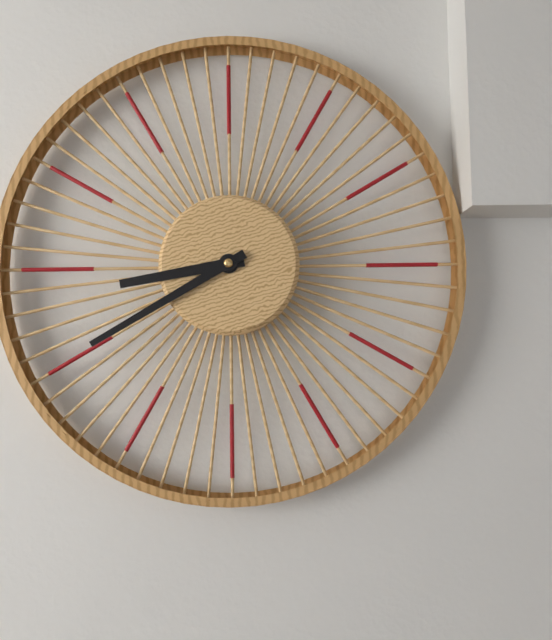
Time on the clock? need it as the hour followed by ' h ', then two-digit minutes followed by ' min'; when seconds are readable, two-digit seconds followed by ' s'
8 h 40 min
